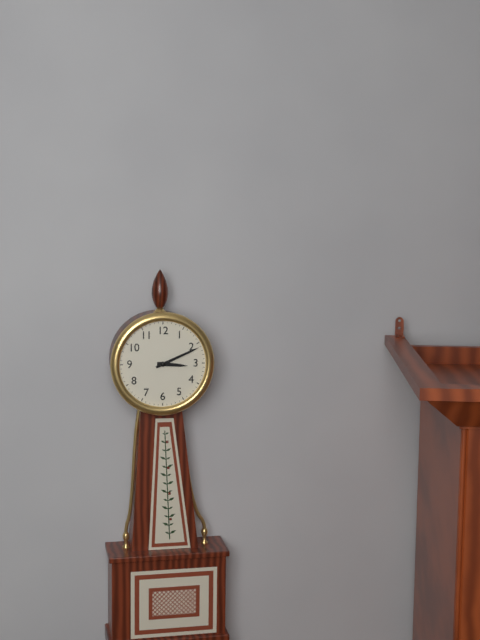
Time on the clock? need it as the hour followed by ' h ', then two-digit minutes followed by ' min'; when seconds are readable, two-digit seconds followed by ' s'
3 h 11 min
